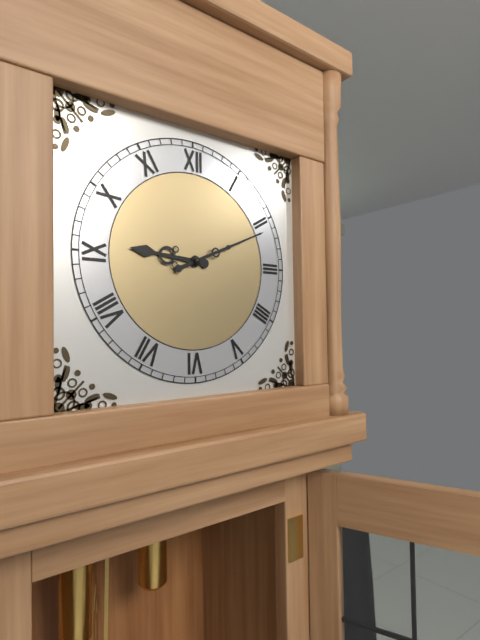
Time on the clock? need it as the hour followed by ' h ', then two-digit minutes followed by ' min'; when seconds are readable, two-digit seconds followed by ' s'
9 h 11 min
